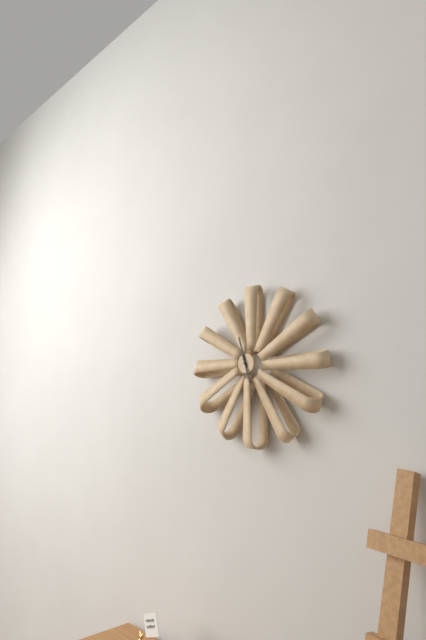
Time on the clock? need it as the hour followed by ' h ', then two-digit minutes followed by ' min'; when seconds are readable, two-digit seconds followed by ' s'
11 h 27 min
